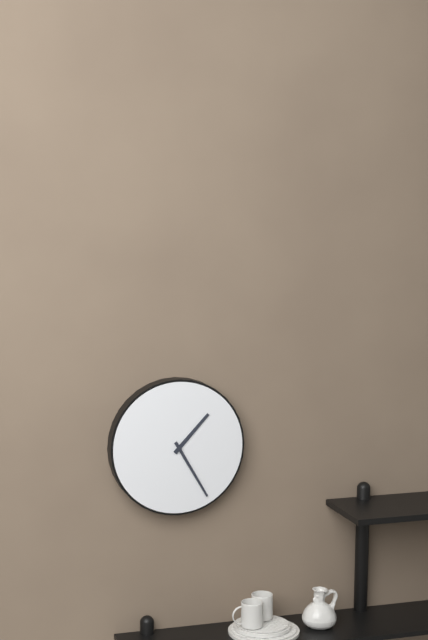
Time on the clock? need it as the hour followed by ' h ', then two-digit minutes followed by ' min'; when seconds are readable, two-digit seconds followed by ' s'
1 h 25 min
